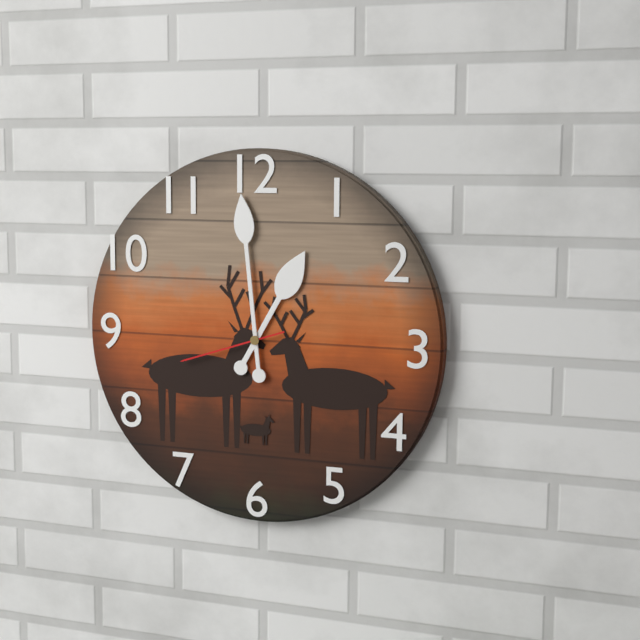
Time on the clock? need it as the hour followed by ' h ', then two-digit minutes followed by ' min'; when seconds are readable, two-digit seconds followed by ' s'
12 h 59 min 42 s
